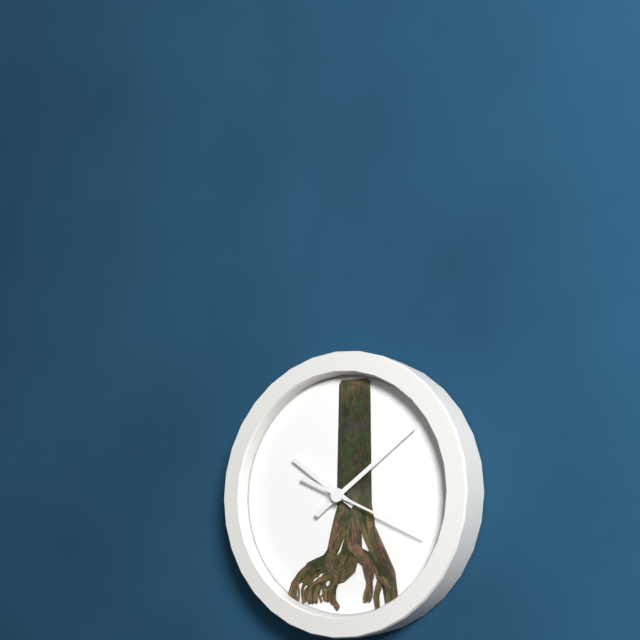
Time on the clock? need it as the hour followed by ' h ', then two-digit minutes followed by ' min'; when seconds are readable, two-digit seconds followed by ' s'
10 h 09 min 19 s
